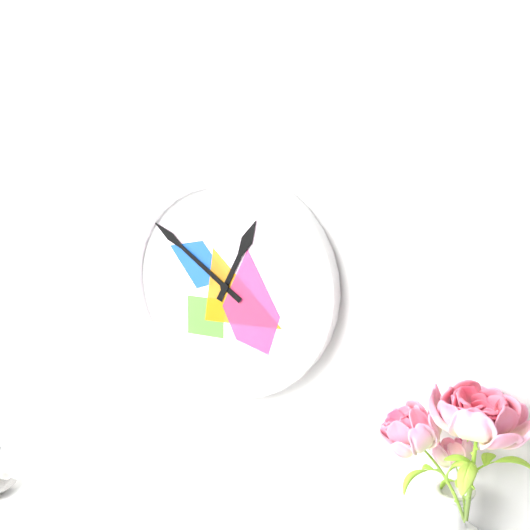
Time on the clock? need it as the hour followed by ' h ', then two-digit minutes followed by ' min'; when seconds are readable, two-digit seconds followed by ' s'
12 h 51 min
